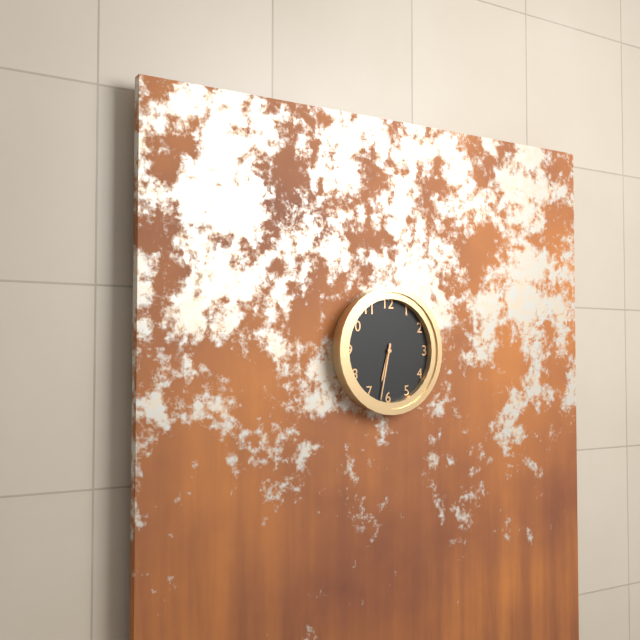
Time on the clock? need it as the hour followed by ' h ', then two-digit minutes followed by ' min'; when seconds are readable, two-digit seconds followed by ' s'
6 h 32 min
